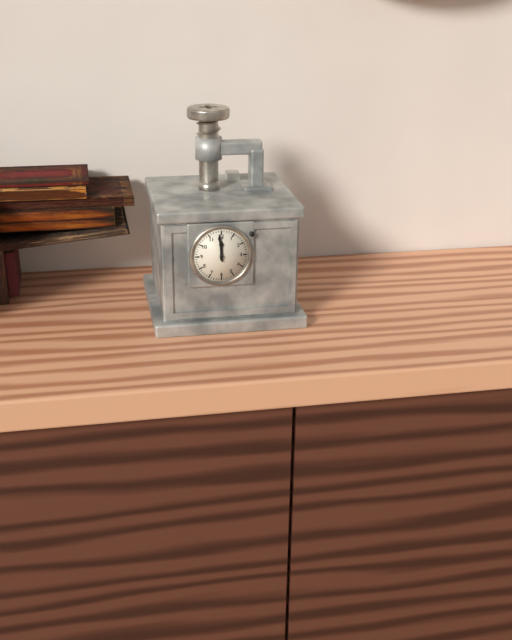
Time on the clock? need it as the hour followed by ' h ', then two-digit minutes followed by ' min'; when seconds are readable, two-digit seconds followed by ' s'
11 h 59 min
